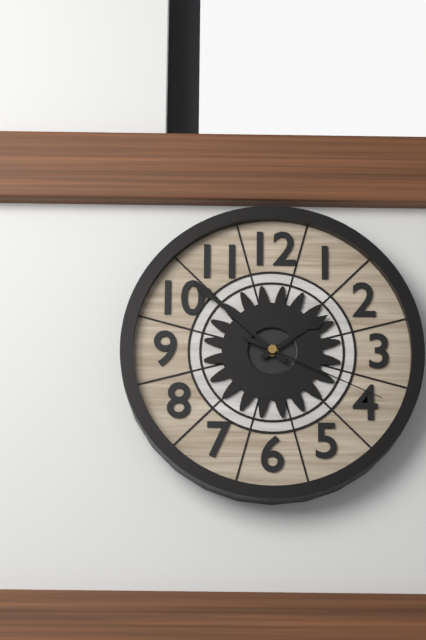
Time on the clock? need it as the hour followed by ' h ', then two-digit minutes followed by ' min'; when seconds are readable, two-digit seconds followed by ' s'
1 h 52 min 19 s
